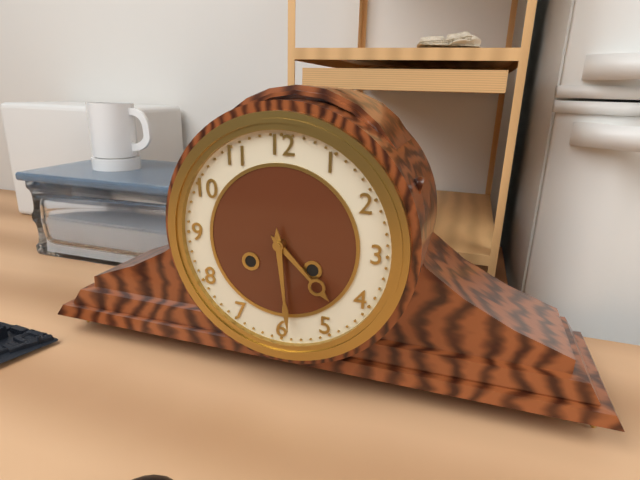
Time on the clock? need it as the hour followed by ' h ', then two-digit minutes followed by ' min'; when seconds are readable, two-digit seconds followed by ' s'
4 h 29 min
